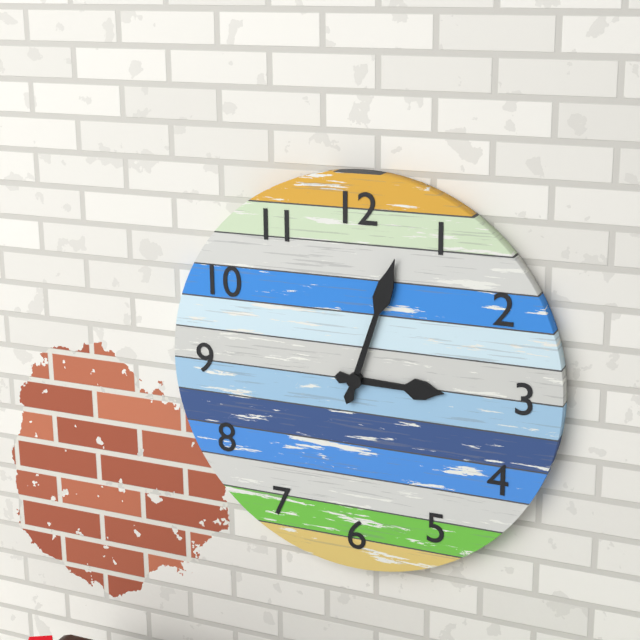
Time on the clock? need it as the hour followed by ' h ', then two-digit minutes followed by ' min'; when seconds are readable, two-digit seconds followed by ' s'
3 h 03 min
